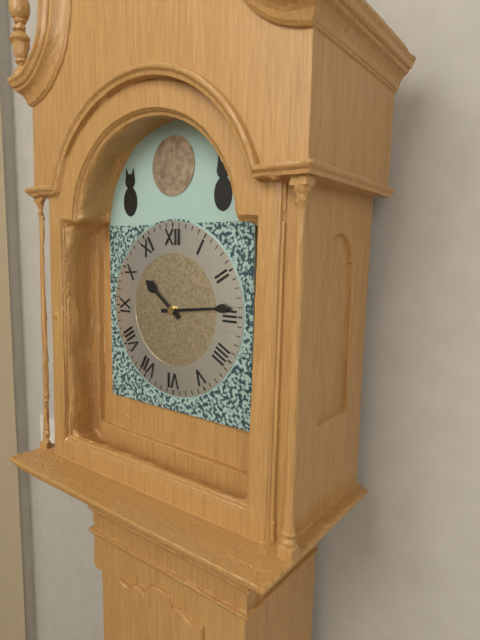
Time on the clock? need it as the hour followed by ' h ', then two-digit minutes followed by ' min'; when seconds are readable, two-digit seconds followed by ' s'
10 h 14 min
